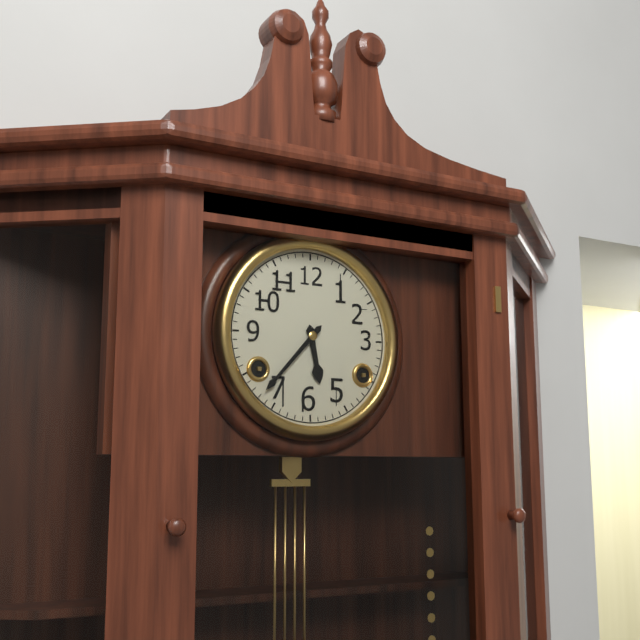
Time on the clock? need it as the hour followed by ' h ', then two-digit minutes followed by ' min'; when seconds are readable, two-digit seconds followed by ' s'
5 h 37 min
